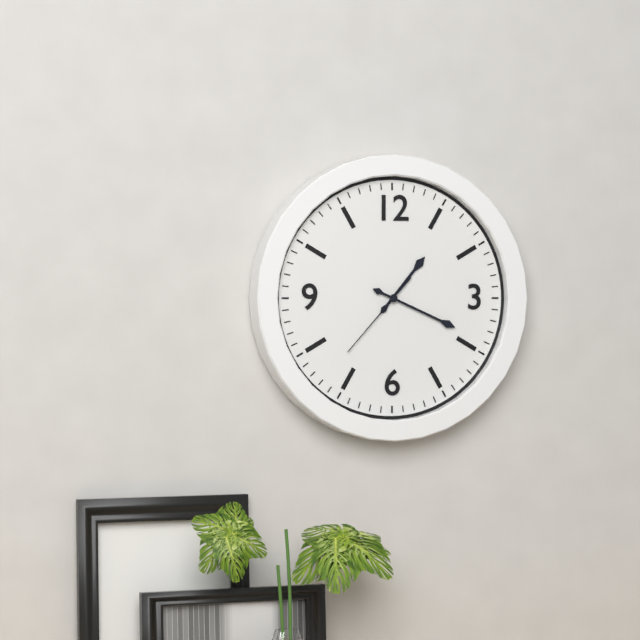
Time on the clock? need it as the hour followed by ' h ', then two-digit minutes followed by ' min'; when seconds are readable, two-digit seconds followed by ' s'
1 h 19 min 37 s
